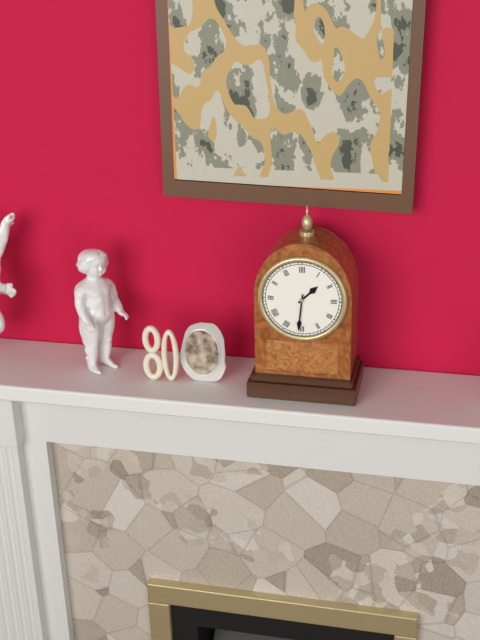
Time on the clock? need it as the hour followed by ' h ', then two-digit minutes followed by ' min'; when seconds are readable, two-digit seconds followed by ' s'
1 h 31 min
